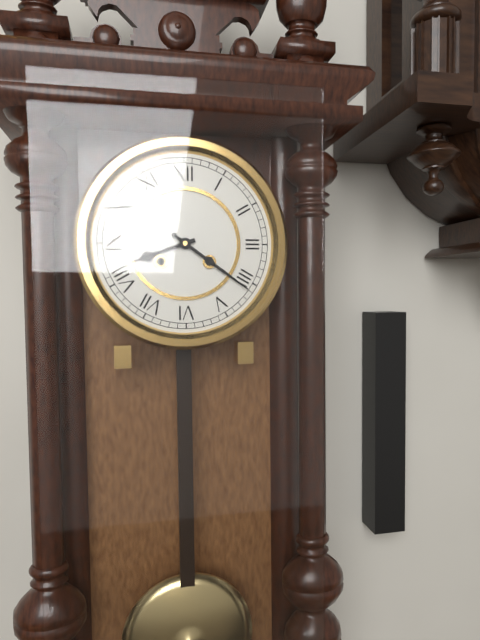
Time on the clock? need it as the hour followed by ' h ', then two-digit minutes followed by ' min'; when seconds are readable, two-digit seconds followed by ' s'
8 h 21 min
